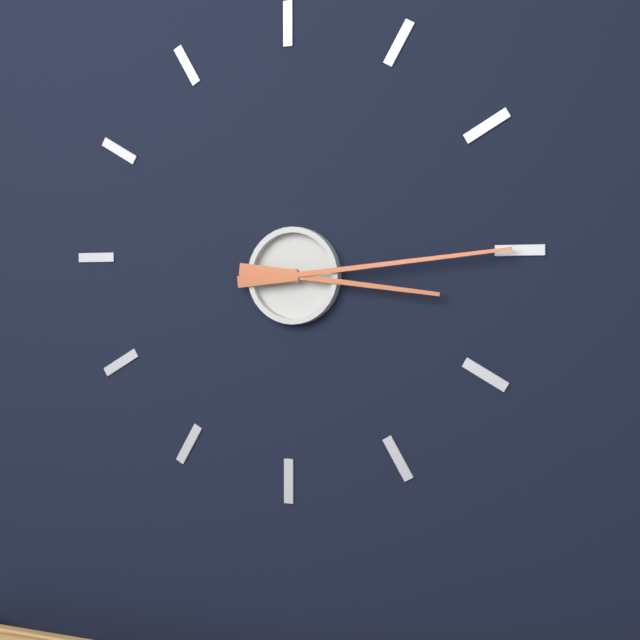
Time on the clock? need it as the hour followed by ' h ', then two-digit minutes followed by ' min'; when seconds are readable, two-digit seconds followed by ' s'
3 h 14 min
